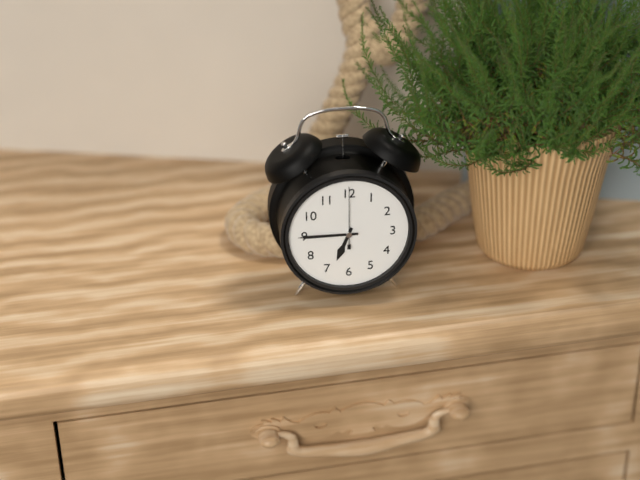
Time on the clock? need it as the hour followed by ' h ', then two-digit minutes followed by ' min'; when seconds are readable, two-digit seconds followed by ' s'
6 h 45 min 00 s
